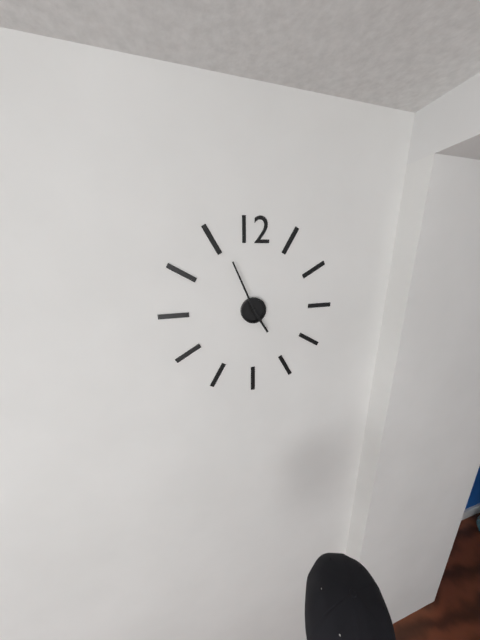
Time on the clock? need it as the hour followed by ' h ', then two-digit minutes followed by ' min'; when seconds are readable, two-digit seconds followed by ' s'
4 h 56 min
